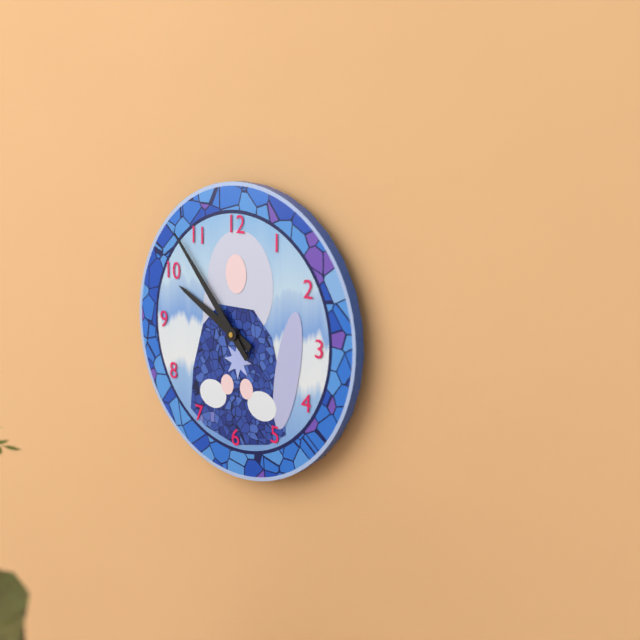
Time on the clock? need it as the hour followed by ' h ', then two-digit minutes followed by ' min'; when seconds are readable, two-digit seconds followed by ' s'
9 h 53 min
